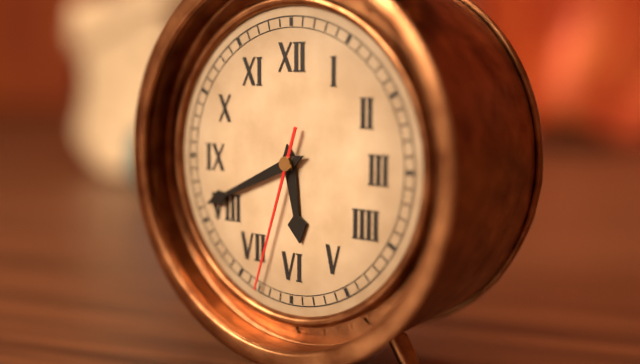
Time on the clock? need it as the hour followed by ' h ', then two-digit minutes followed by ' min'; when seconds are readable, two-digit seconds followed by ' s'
5 h 41 min 33 s
